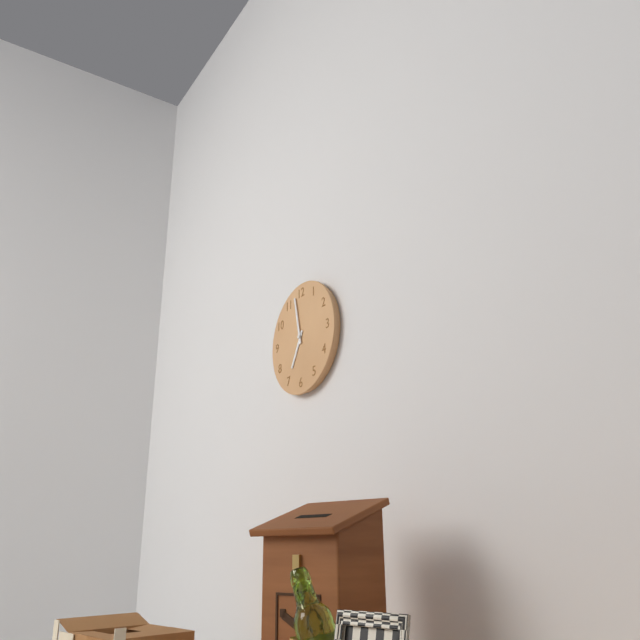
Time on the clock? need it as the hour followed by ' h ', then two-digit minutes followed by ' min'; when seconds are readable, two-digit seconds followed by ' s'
6 h 58 min
